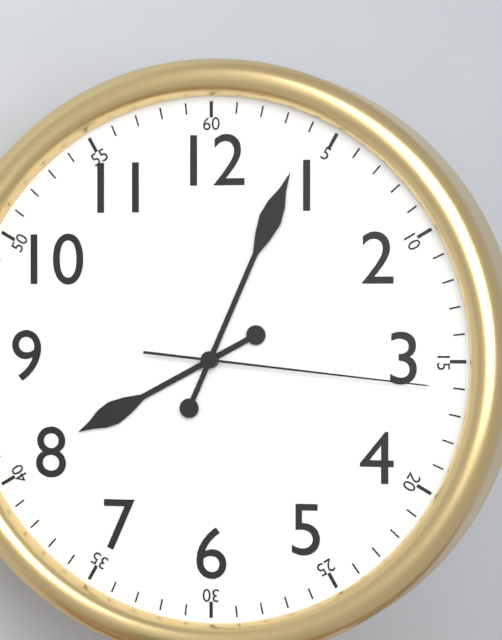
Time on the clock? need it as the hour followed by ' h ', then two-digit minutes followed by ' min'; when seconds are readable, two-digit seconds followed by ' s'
8 h 04 min 16 s
